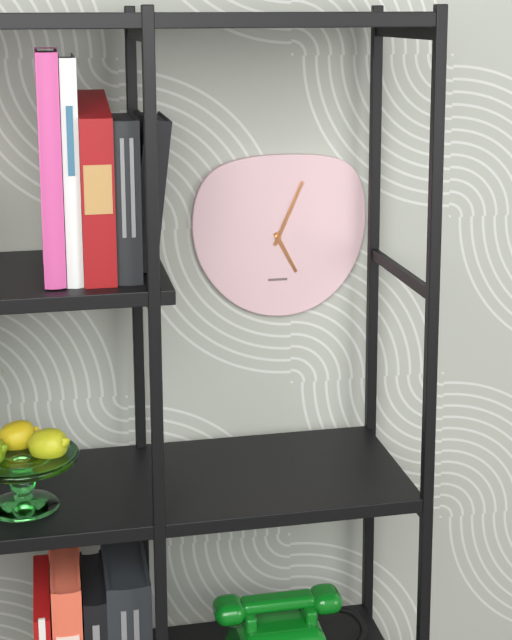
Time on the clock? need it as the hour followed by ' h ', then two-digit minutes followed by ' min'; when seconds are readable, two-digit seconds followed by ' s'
5 h 04 min
